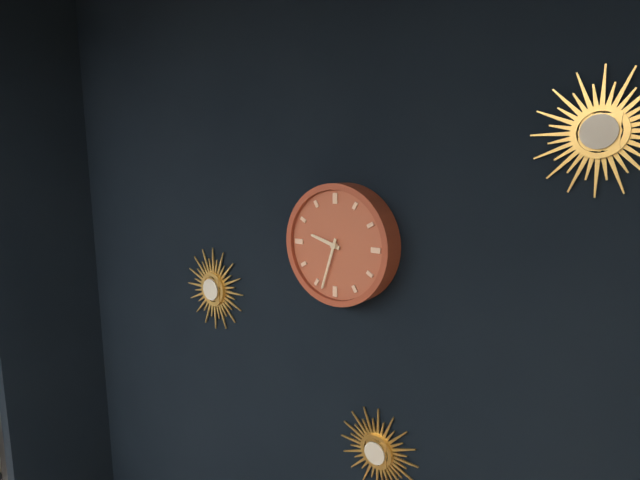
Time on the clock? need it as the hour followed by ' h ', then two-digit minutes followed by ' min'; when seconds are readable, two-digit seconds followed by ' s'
9 h 33 min
